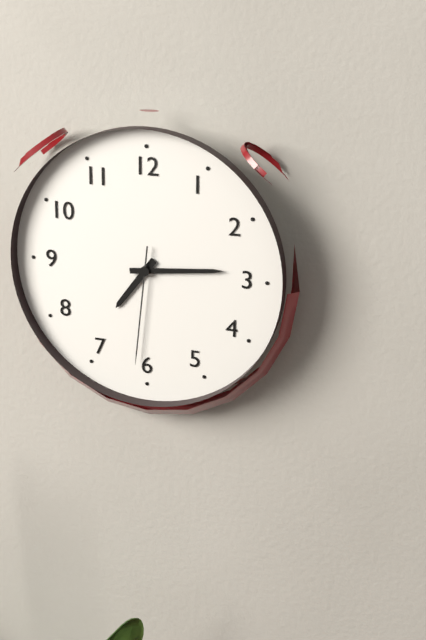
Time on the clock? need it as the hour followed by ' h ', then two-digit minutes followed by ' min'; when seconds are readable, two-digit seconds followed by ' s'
7 h 14 min 31 s
